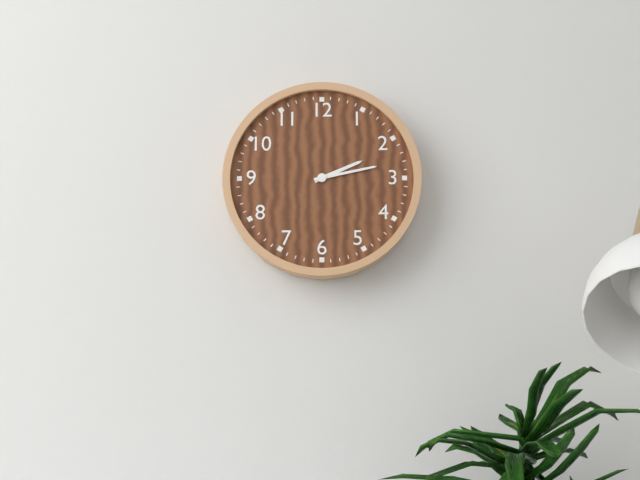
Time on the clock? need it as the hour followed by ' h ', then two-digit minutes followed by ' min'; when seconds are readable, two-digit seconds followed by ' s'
2 h 13 min
